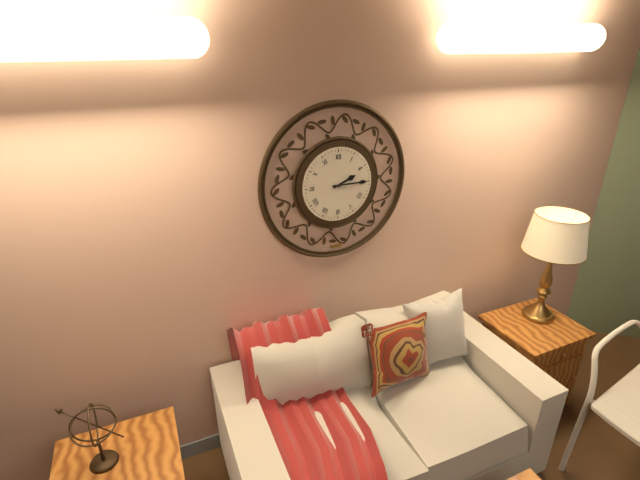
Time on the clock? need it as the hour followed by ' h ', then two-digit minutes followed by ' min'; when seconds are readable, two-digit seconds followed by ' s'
2 h 15 min
